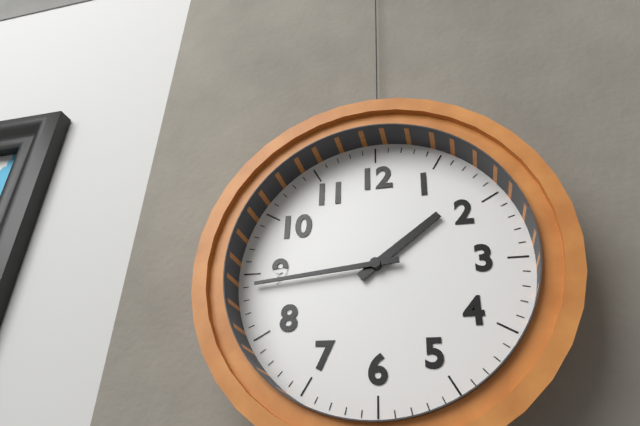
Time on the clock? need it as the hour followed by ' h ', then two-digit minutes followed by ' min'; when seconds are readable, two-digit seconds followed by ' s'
1 h 44 min
